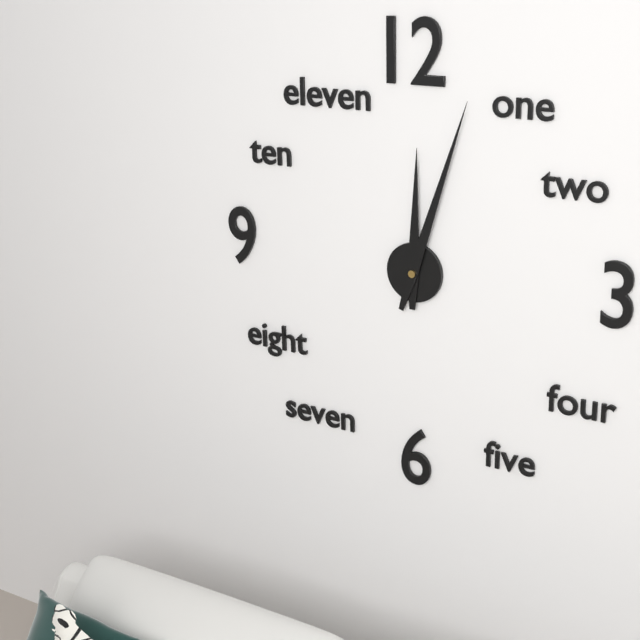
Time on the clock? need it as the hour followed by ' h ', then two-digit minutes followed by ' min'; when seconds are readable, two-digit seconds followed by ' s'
12 h 03 min
